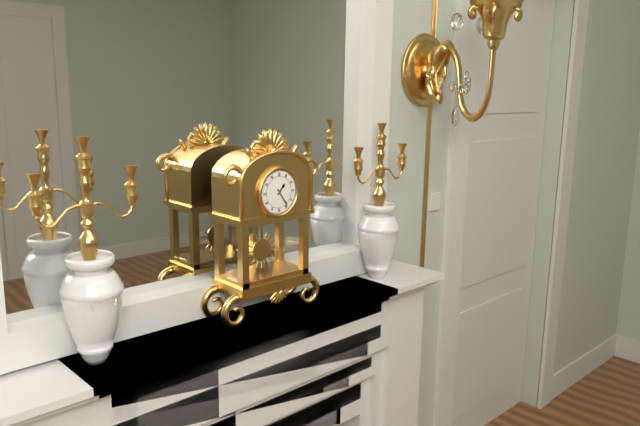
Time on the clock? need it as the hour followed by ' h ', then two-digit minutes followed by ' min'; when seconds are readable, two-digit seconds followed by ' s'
1 h 24 min
